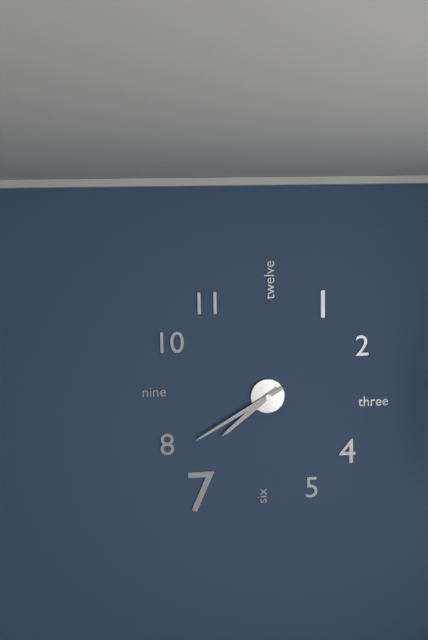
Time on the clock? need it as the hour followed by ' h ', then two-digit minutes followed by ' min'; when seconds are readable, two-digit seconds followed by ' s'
7 h 40 min
